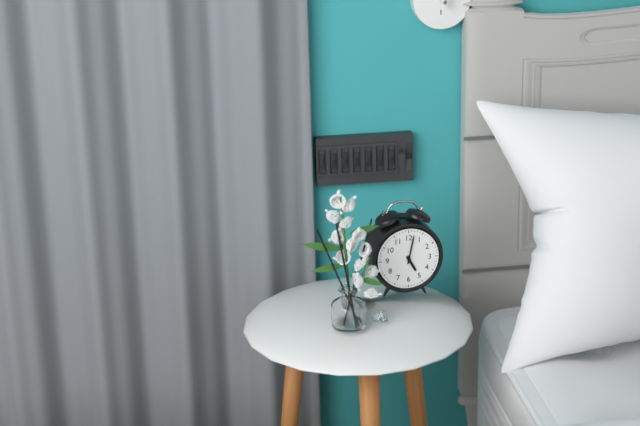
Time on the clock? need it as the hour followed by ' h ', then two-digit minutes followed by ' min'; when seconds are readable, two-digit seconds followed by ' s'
5 h 02 min
